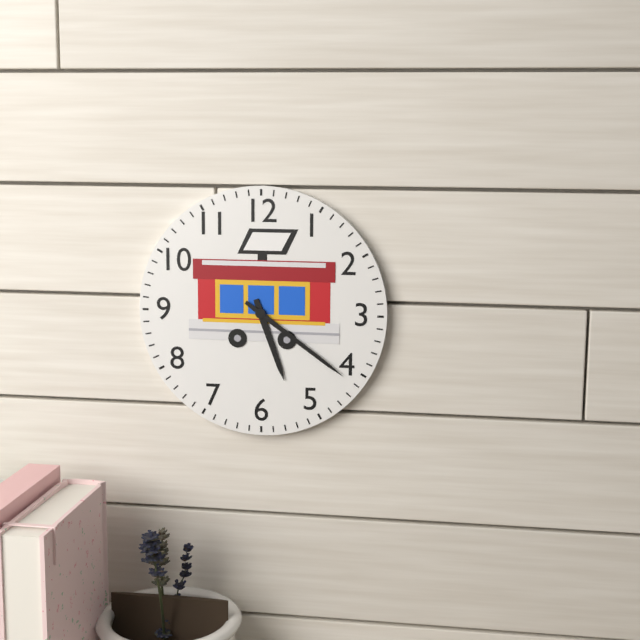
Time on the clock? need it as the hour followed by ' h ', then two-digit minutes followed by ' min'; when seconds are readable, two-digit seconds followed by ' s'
5 h 21 min
